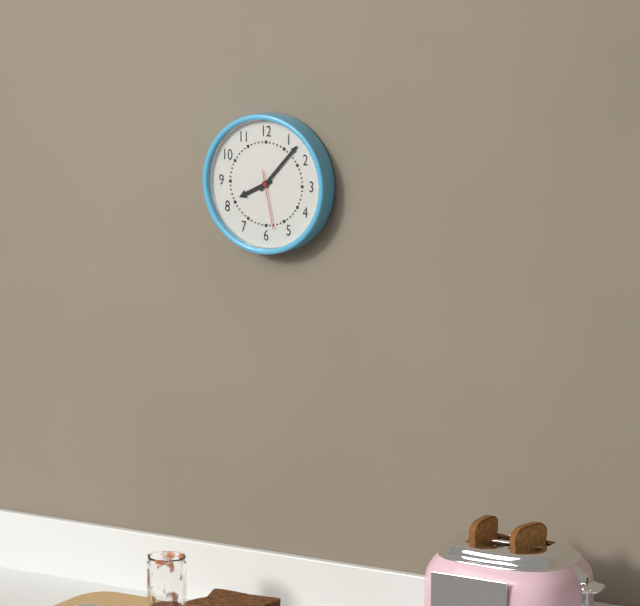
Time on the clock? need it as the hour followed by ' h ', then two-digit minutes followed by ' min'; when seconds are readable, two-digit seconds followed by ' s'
8 h 07 min 28 s
